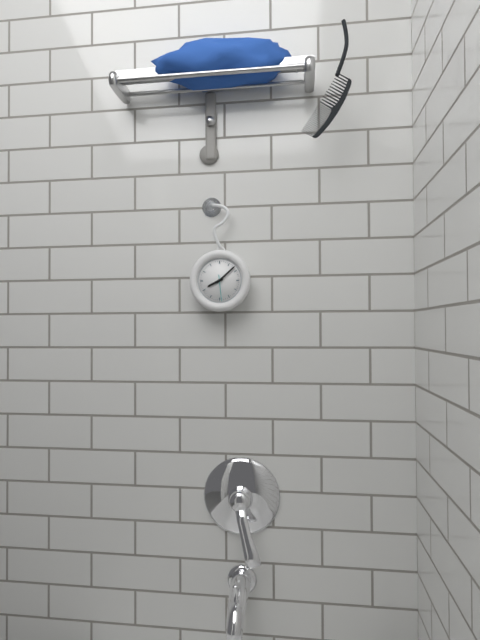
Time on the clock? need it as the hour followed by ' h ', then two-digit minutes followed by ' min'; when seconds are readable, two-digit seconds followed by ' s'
8 h 08 min
